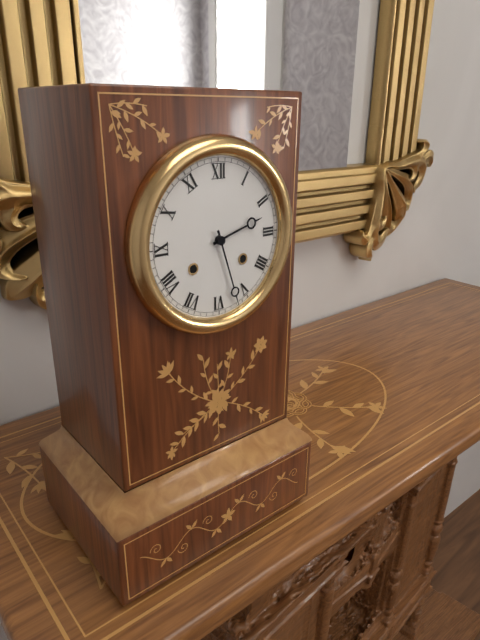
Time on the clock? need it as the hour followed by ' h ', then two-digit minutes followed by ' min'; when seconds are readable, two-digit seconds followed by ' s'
2 h 27 min
